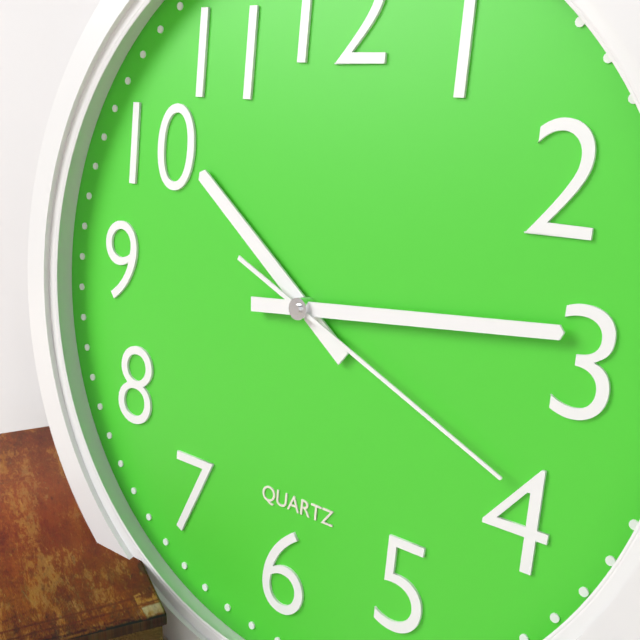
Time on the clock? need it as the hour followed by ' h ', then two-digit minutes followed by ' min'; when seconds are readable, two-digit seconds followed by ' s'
10 h 14 min 19 s
